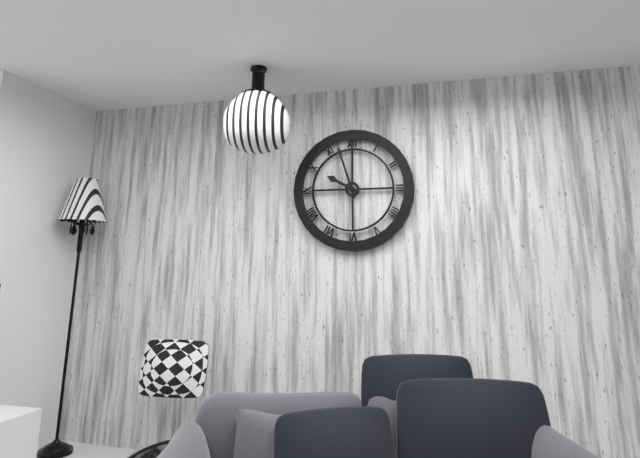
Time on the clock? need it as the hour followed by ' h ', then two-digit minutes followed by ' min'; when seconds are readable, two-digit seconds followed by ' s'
9 h 57 min
